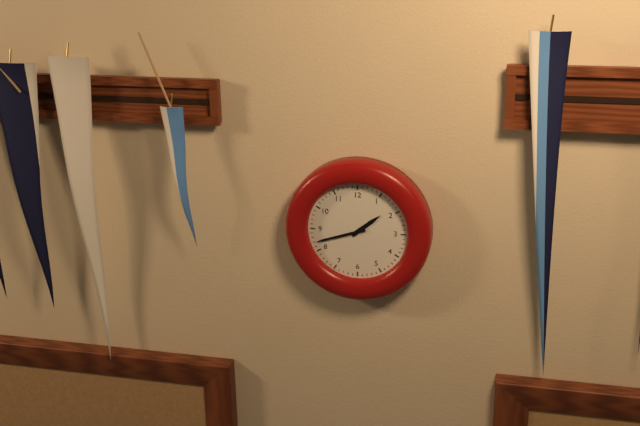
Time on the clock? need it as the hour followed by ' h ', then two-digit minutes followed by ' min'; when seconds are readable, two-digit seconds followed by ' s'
1 h 42 min
